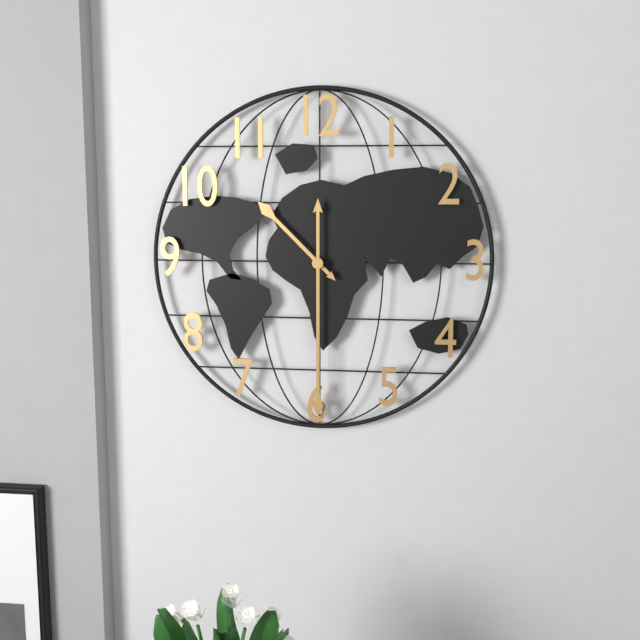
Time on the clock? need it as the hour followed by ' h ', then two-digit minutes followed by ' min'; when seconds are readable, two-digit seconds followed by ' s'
10 h 30 min
